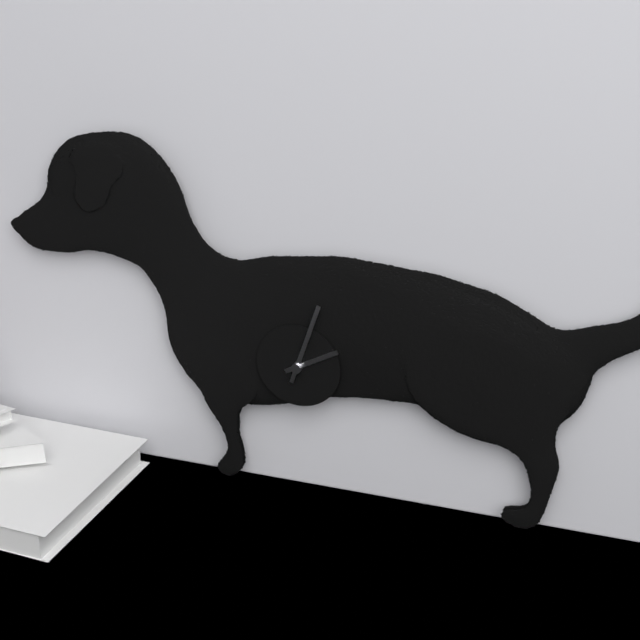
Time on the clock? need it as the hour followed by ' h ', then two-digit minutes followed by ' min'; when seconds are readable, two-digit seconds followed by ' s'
2 h 03 min
